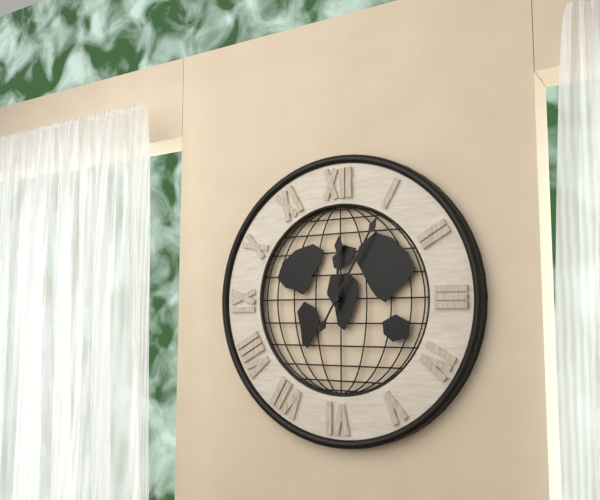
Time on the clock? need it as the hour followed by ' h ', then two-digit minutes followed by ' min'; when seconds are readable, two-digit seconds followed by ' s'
12 h 05 min
